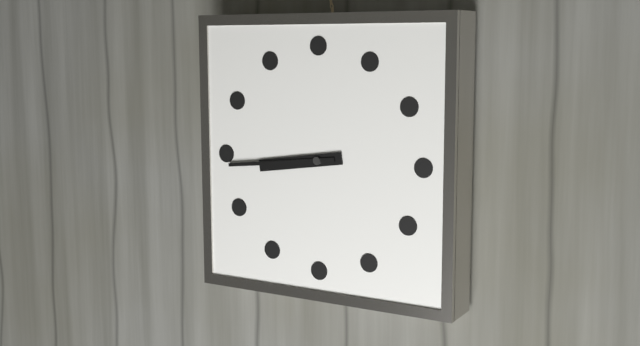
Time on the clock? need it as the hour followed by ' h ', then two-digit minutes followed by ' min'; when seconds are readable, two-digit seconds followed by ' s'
8 h 44 min
